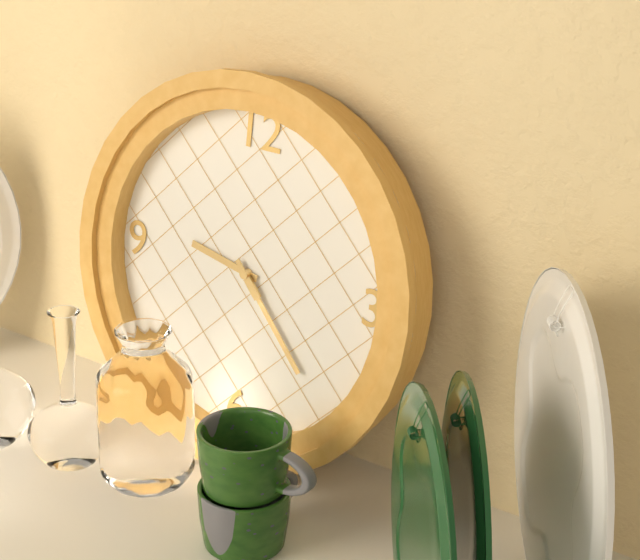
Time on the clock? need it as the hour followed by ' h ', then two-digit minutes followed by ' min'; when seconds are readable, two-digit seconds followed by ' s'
9 h 23 min
